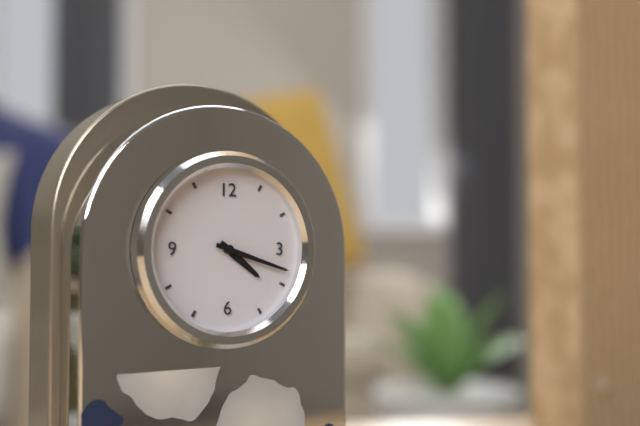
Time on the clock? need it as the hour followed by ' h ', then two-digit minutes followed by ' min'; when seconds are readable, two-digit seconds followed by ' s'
4 h 18 min
